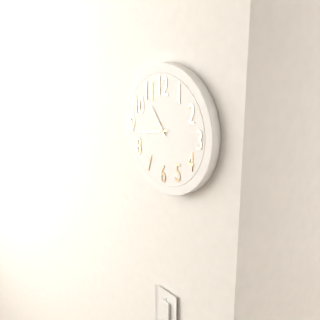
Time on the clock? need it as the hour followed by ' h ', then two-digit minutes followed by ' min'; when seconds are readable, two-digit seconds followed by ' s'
10 h 43 min
